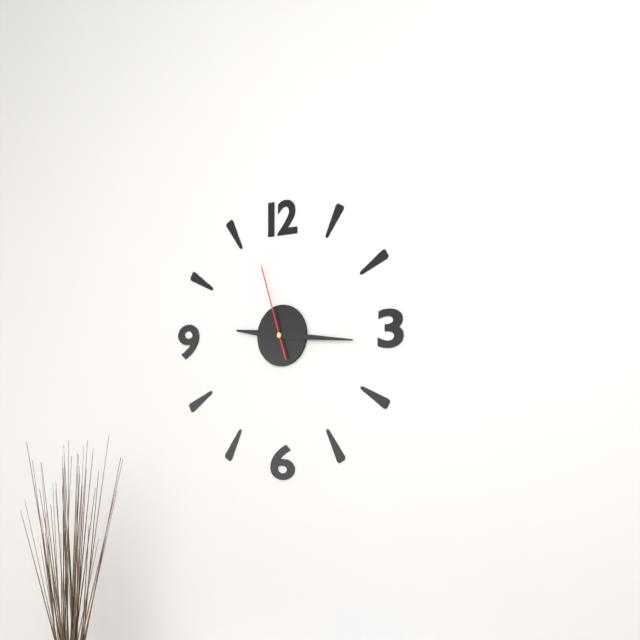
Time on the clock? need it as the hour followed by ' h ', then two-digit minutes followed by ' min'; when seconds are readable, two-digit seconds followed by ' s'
9 h 16 min 57 s
